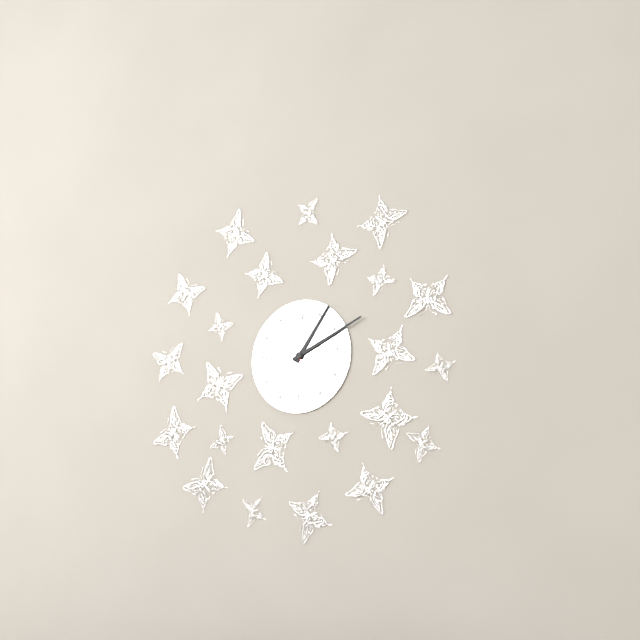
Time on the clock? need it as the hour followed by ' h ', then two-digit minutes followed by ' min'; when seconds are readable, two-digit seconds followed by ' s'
1 h 11 min 57 s
